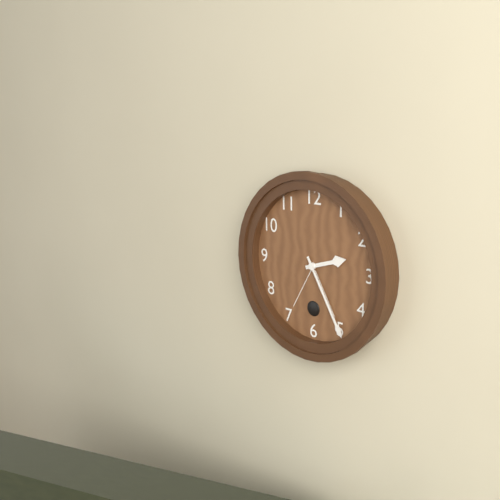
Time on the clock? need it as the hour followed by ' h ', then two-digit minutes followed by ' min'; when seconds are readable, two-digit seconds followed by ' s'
2 h 25 min
